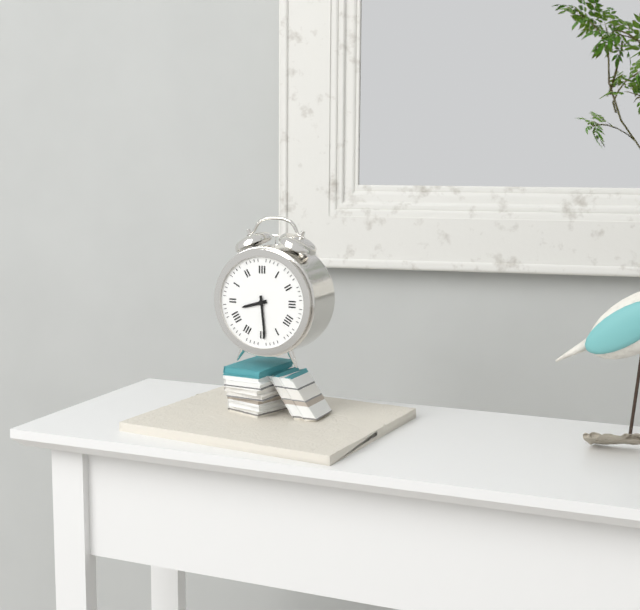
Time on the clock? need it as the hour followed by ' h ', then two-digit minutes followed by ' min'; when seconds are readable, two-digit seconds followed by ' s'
8 h 29 min
